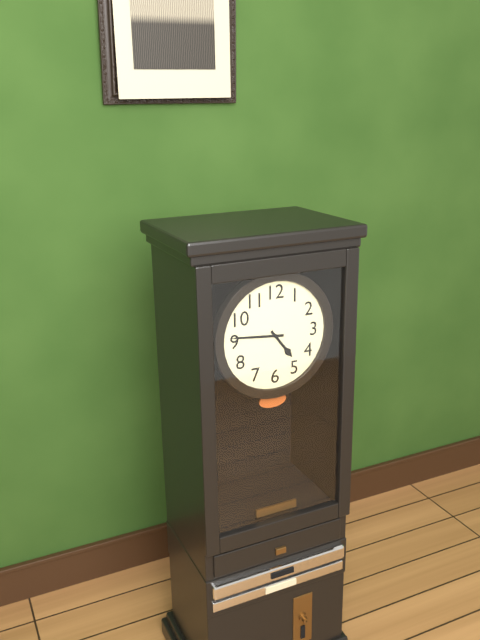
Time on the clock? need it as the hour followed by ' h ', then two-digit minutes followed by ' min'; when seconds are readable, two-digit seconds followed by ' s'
4 h 46 min
